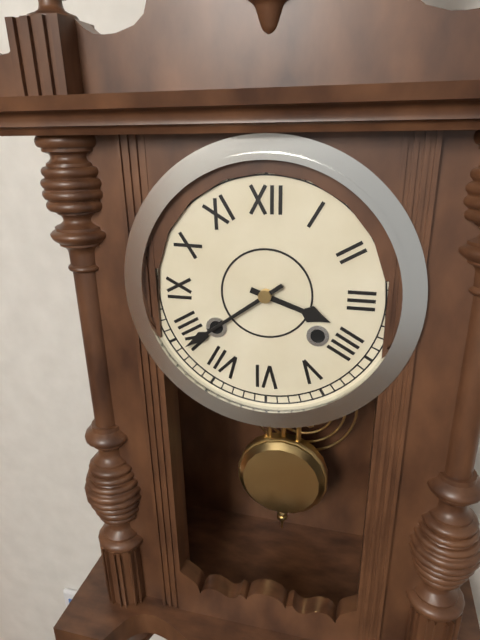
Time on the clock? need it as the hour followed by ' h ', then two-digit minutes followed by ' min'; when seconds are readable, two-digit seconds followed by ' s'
3 h 39 min
